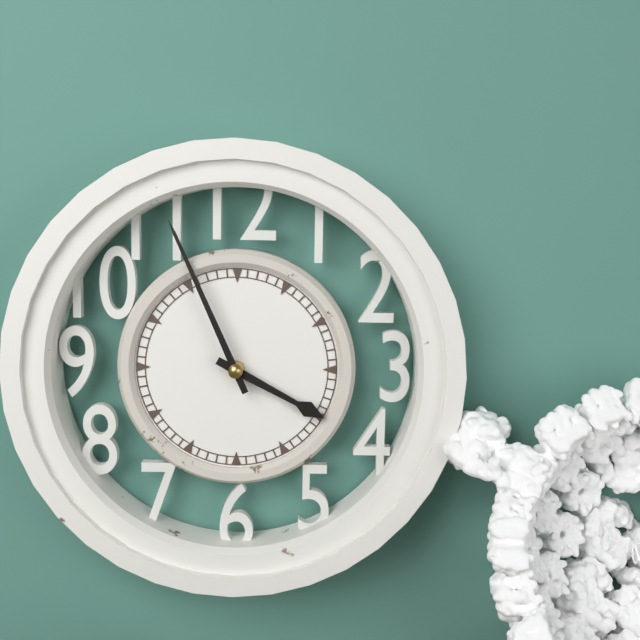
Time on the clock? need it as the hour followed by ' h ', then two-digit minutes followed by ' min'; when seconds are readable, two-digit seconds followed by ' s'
3 h 56 min
